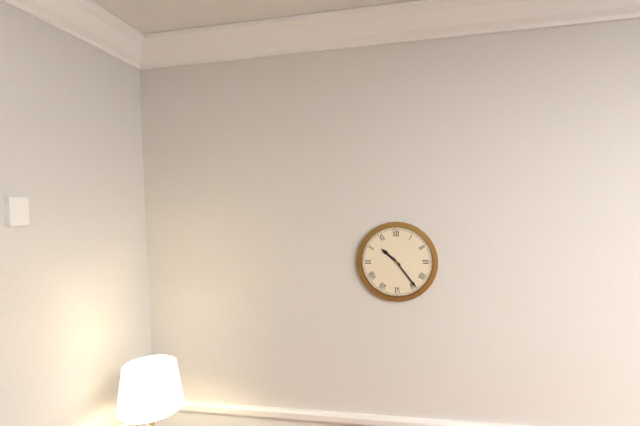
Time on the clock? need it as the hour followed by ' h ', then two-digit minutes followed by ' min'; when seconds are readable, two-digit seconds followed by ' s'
10 h 24 min
